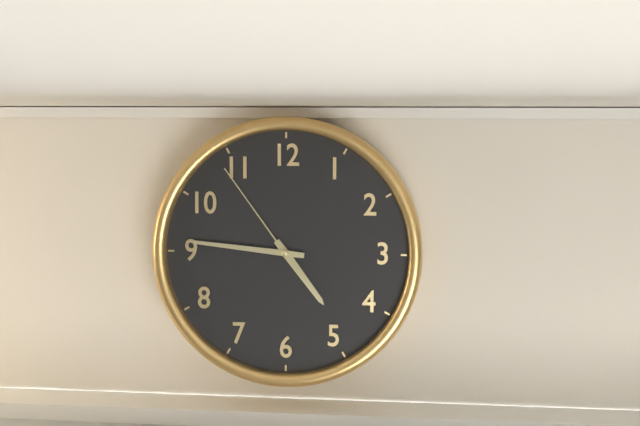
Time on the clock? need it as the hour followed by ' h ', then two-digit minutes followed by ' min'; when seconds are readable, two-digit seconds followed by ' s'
4 h 46 min 54 s
